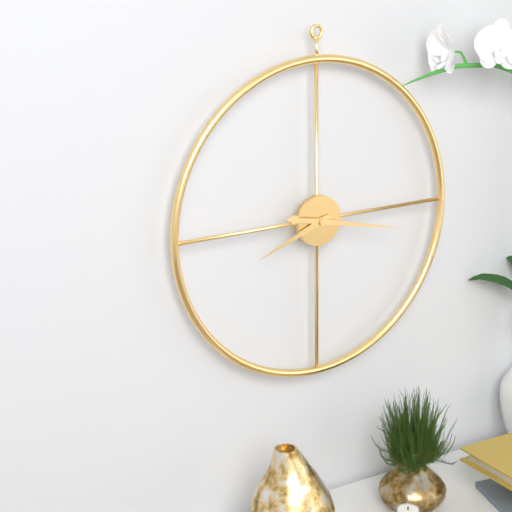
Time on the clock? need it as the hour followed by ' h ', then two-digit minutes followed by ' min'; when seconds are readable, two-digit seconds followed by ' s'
8 h 17 min
